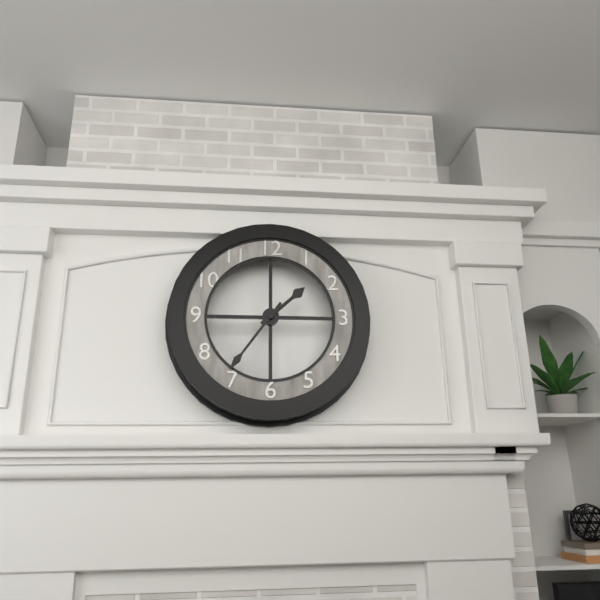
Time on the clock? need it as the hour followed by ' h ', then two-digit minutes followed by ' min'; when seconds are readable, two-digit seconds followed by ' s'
1 h 36 min
